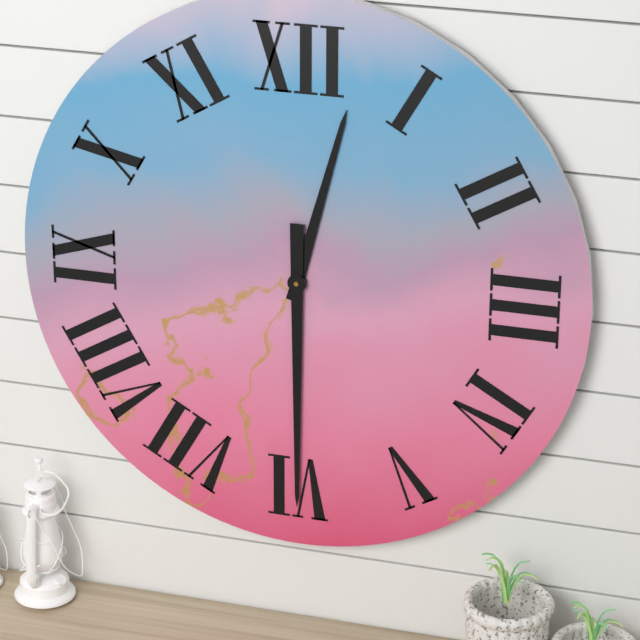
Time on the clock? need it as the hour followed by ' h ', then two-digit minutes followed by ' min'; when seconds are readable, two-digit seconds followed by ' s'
12 h 30 min
